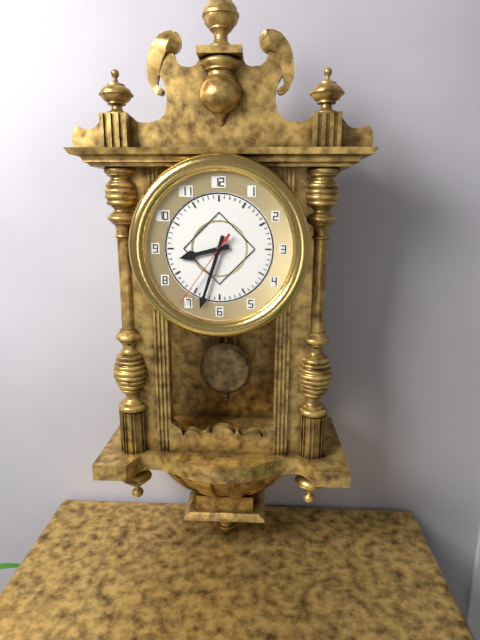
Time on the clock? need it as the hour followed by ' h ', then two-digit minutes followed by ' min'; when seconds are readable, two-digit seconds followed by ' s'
8 h 33 min 36 s
